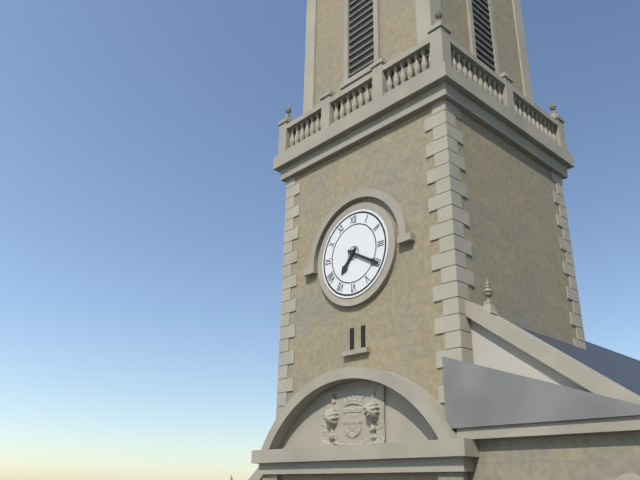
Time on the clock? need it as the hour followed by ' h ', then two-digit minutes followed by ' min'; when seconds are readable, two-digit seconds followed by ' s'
7 h 20 min
